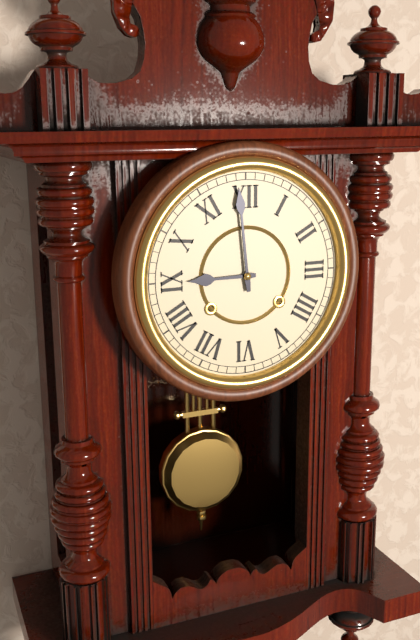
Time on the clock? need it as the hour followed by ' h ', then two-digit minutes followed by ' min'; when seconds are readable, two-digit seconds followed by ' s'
8 h 59 min
